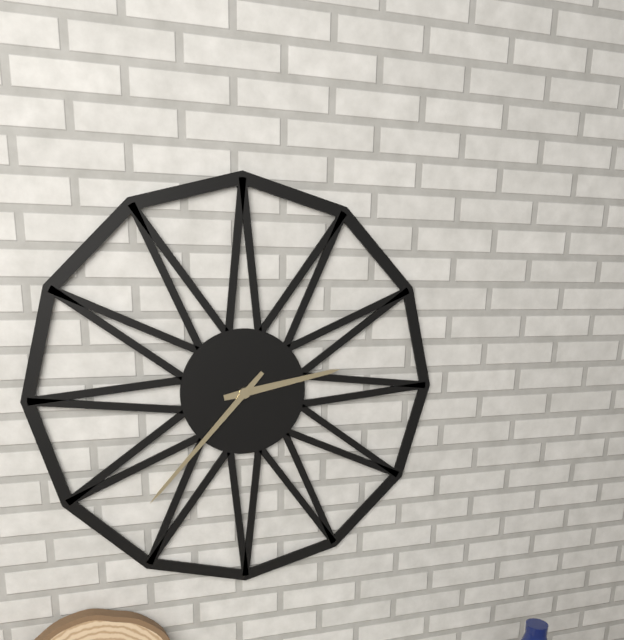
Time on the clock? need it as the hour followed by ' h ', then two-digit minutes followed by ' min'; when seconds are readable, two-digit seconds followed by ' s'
2 h 37 min
